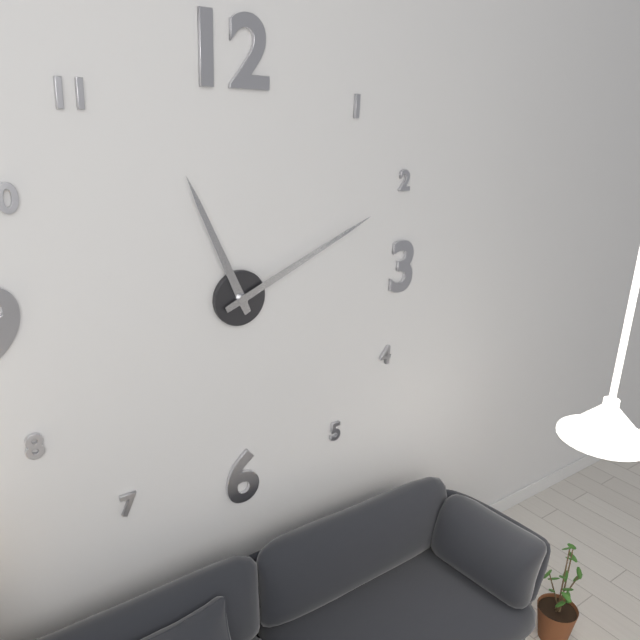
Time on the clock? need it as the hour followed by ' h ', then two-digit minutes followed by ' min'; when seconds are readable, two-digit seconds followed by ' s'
11 h 11 min
